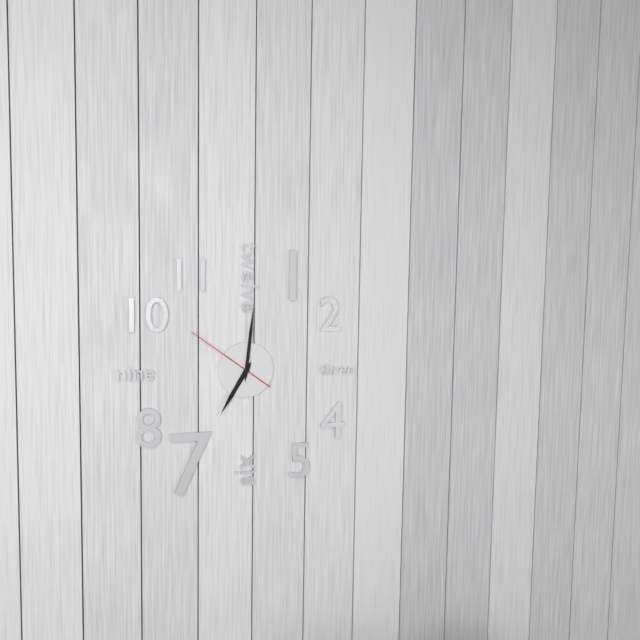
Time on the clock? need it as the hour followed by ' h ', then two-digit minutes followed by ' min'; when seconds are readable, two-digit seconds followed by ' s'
7 h 01 min 51 s
